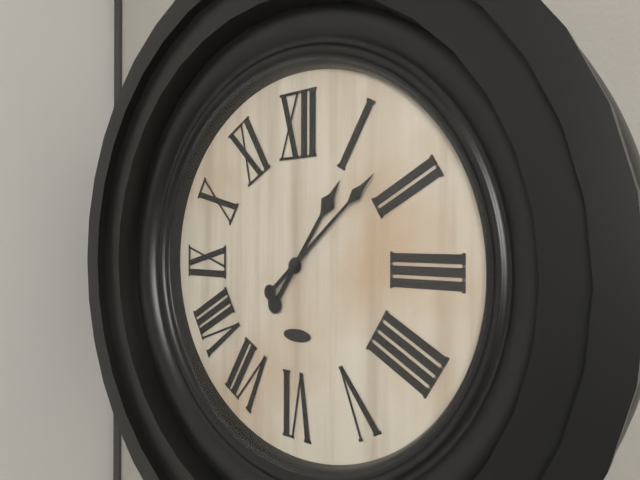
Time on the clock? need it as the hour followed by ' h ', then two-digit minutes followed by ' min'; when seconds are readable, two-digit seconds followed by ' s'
1 h 08 min
